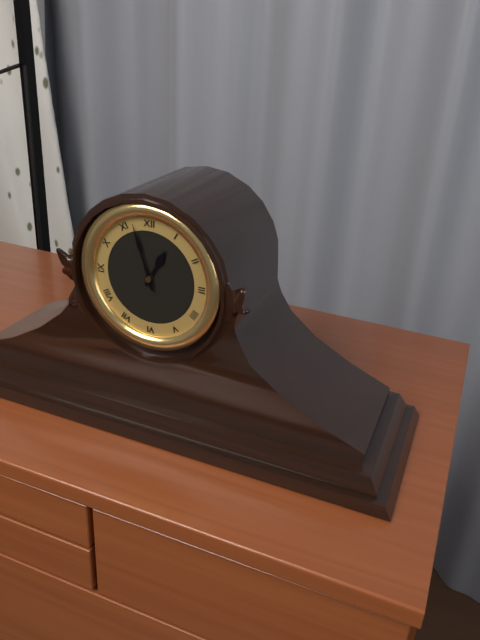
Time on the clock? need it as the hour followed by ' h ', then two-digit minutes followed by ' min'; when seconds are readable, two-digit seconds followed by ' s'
12 h 57 min
